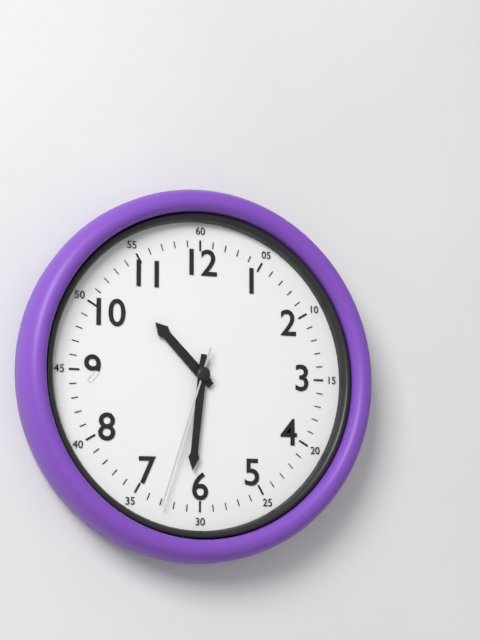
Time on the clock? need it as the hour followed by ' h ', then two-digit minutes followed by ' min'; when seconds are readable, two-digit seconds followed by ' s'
10 h 31 min 33 s
